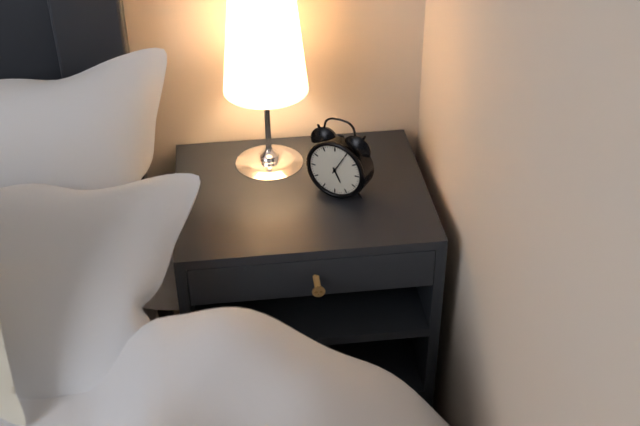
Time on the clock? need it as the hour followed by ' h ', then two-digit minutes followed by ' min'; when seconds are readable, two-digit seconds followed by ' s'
5 h 05 min
